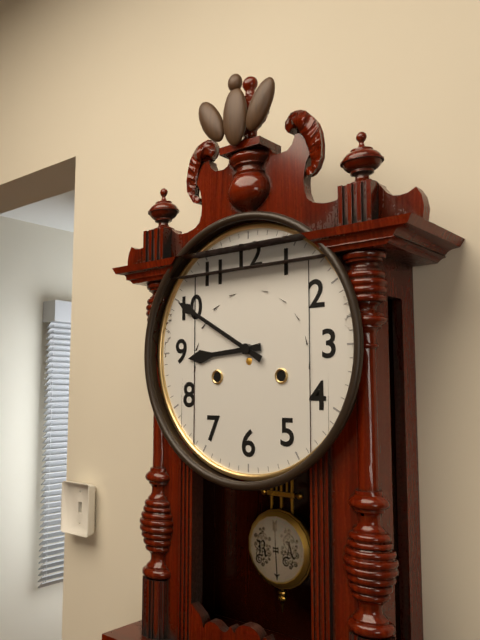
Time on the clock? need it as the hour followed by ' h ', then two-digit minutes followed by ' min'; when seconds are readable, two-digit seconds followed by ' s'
8 h 50 min
